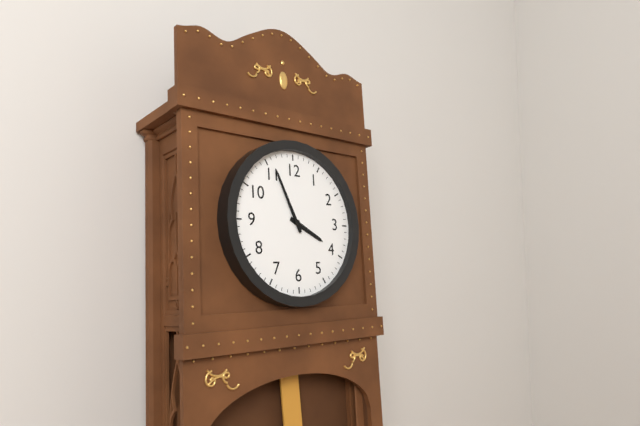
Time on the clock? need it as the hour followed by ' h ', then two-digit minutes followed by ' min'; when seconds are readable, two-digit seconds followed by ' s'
3 h 56 min
